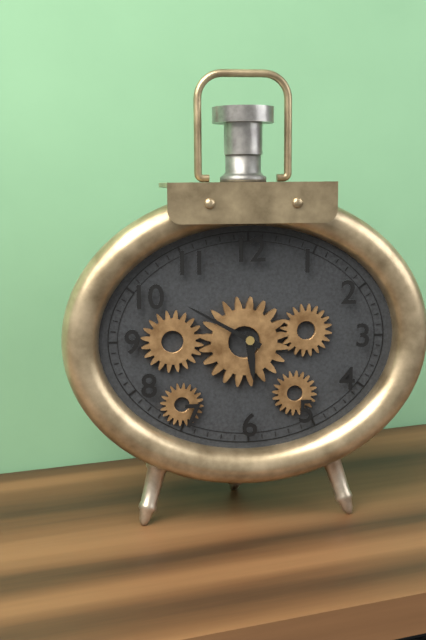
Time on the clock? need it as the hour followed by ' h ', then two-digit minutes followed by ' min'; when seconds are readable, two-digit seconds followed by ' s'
5 h 50 min
